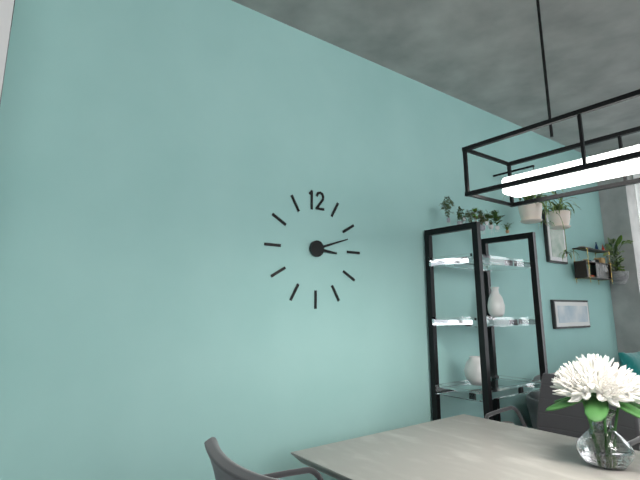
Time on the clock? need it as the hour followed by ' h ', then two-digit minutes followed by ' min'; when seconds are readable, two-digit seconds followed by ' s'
3 h 12 min
